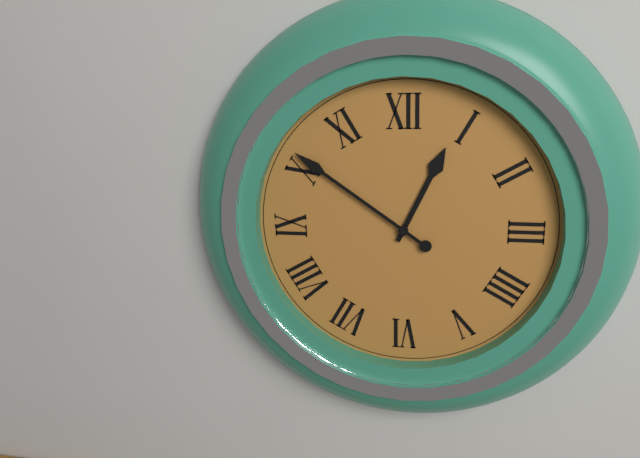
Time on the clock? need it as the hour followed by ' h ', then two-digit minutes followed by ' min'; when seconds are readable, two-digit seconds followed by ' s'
12 h 51 min
